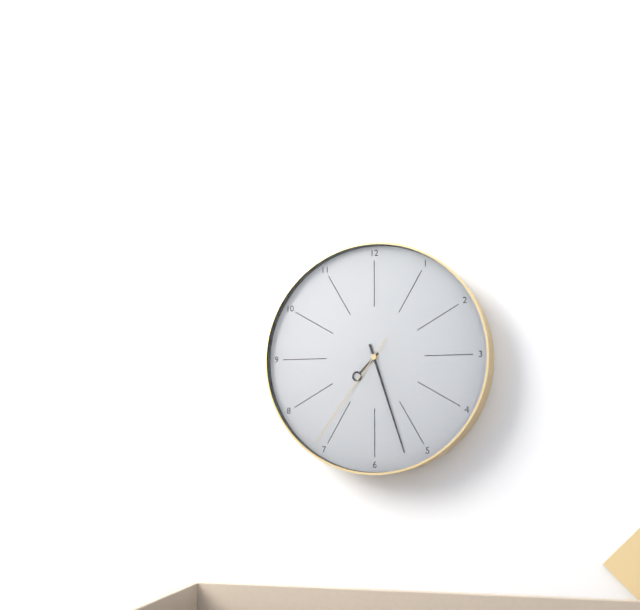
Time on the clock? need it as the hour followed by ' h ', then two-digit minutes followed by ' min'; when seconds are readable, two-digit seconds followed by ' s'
7 h 27 min 36 s
